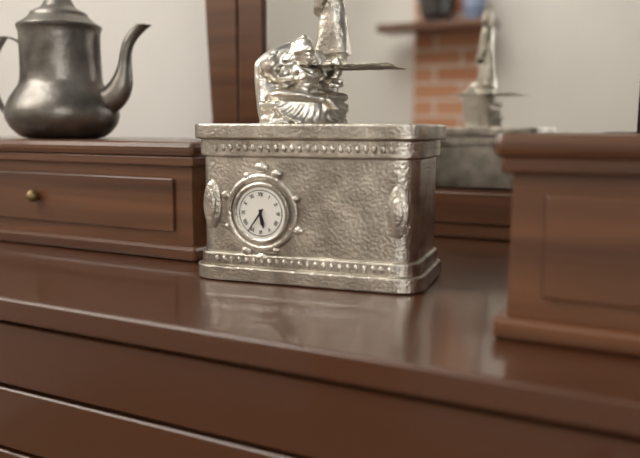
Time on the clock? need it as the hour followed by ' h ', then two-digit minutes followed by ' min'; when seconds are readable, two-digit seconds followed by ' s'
5 h 36 min
